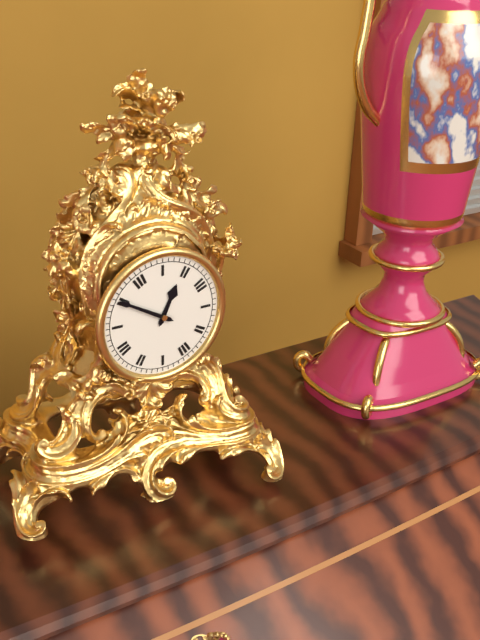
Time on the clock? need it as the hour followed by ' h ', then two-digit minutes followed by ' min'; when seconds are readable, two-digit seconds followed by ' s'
12 h 50 min
